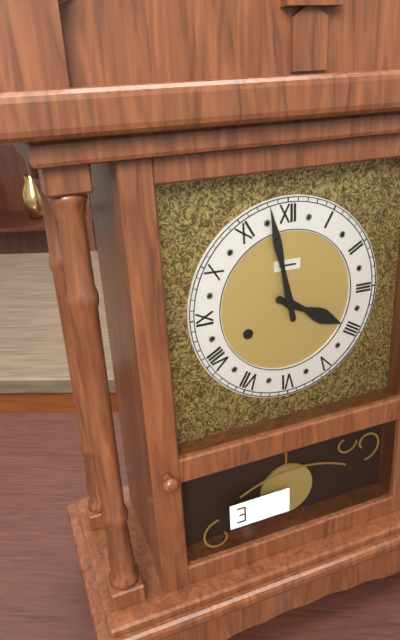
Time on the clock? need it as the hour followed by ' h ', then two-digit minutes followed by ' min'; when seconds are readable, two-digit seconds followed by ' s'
3 h 58 min
